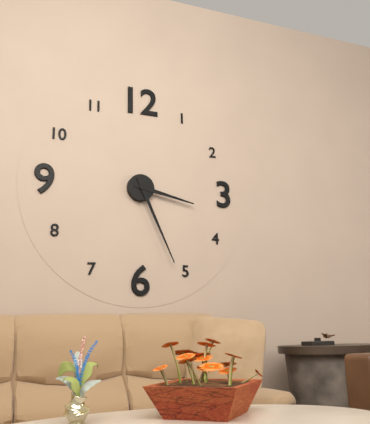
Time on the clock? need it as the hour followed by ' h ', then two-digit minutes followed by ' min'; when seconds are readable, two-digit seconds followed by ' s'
3 h 26 min
